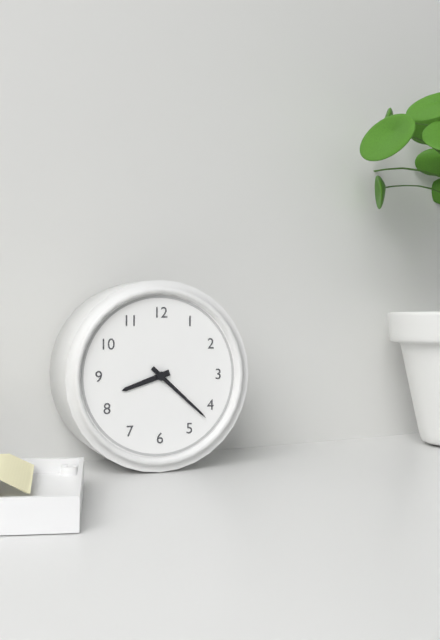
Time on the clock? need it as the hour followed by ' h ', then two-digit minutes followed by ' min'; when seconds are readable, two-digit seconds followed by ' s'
8 h 22 min
